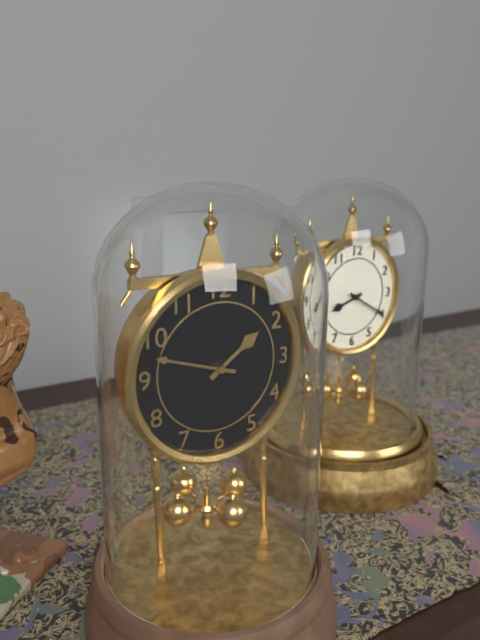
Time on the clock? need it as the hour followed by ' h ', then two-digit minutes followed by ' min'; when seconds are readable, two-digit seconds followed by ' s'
1 h 48 min
